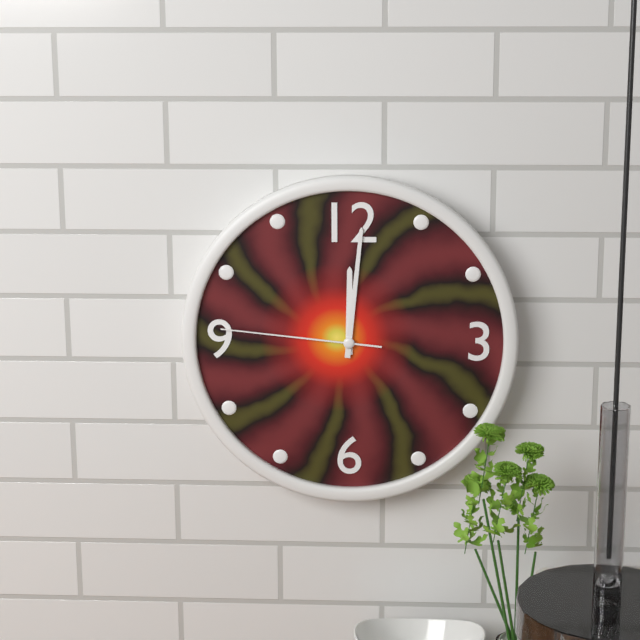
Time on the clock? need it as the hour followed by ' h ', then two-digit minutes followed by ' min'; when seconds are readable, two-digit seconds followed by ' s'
12 h 01 min 46 s
